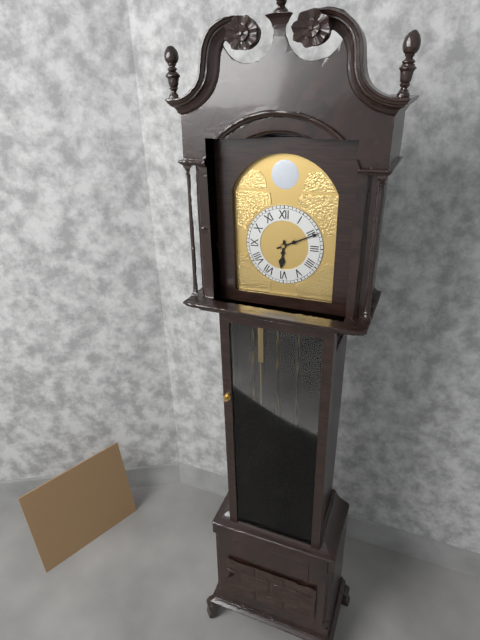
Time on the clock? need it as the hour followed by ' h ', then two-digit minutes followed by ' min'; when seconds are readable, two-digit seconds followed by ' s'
6 h 11 min
